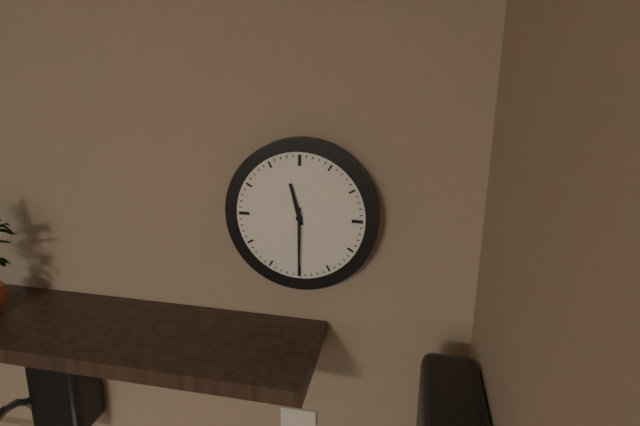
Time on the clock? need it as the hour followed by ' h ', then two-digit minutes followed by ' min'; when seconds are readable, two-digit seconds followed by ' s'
11 h 30 min
